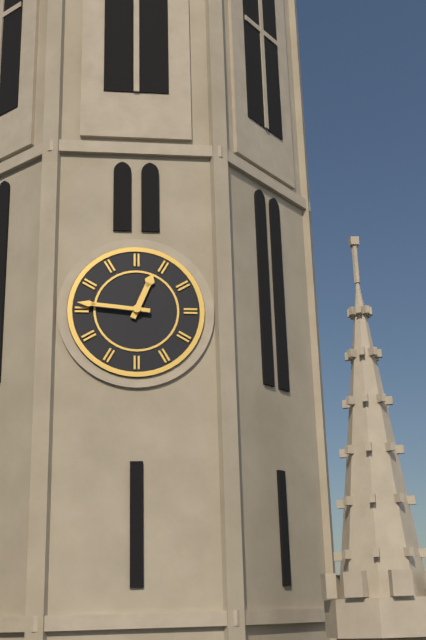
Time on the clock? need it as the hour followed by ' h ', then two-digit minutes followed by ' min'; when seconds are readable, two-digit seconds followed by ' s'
12 h 46 min
